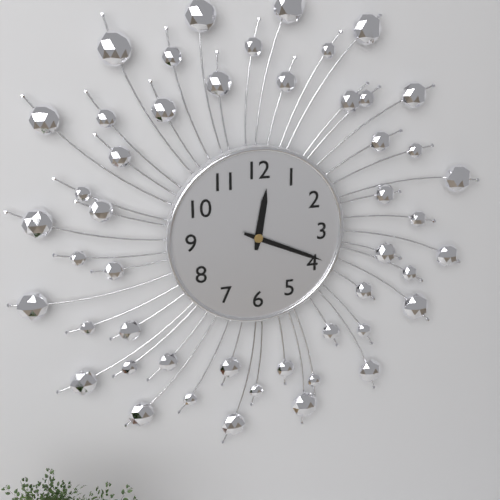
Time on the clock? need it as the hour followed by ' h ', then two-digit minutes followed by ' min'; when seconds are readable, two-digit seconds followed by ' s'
12 h 19 min
